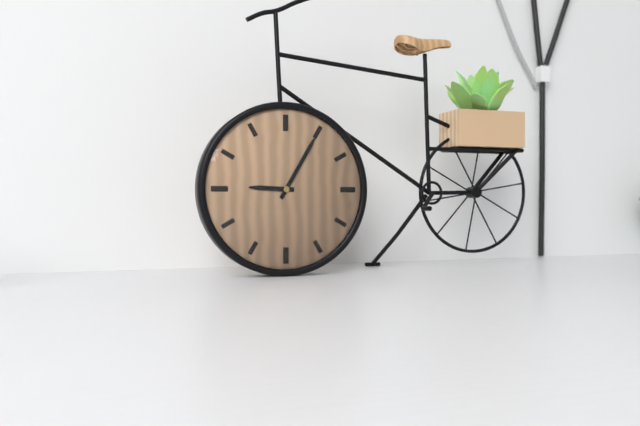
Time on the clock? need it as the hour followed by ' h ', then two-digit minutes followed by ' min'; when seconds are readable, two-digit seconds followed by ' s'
9 h 05 min
